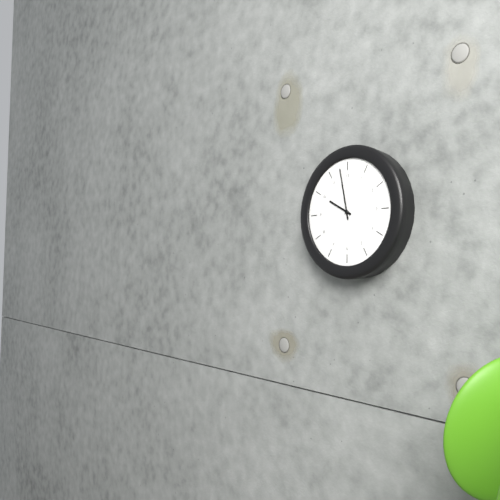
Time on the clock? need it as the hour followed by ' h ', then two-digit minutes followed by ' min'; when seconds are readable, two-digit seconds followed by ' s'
9 h 58 min
